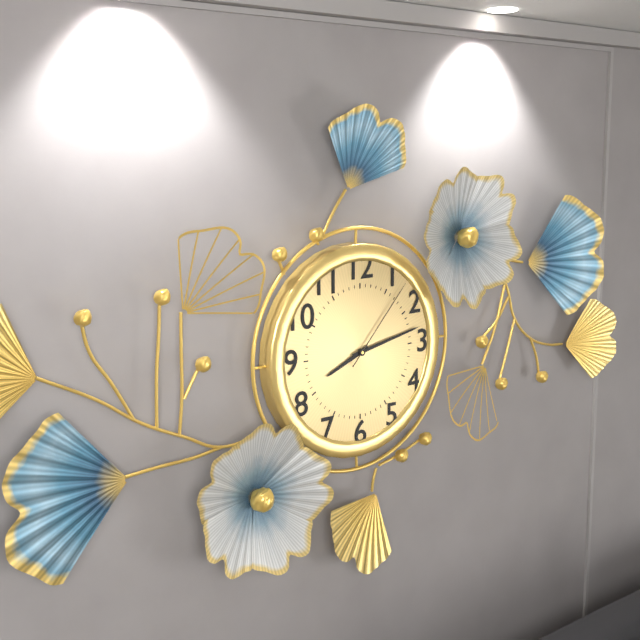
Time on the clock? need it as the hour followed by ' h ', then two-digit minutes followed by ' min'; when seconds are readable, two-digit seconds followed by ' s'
8 h 13 min 07 s
